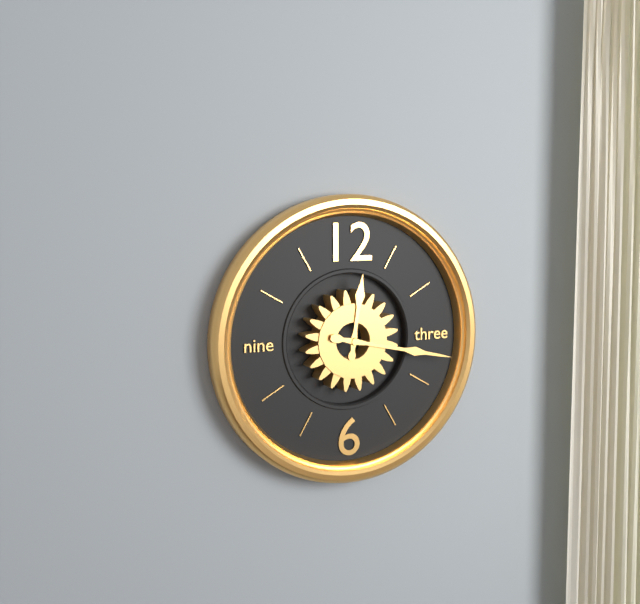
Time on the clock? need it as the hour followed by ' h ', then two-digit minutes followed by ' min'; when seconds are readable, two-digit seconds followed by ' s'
12 h 17 min
